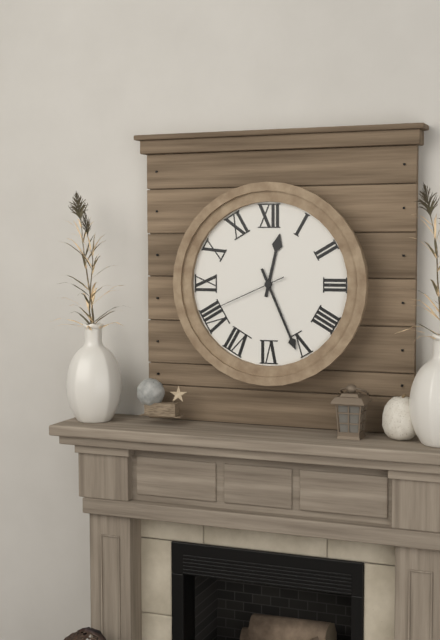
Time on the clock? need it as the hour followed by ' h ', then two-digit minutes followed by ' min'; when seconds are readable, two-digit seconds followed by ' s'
12 h 26 min 41 s
